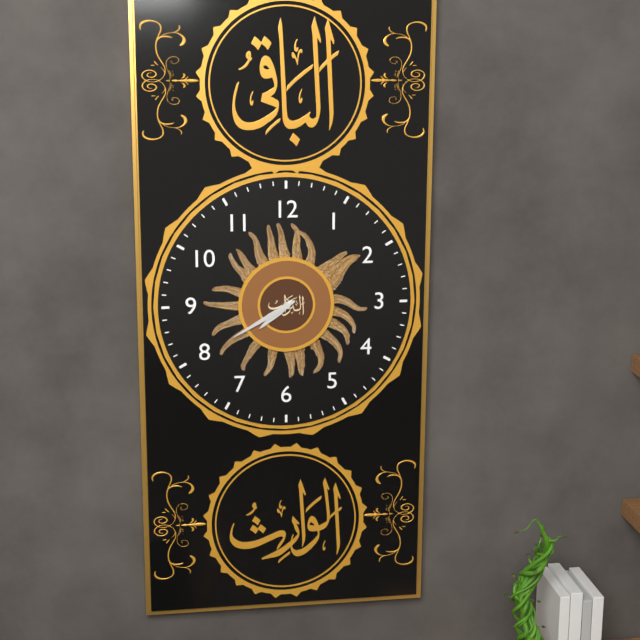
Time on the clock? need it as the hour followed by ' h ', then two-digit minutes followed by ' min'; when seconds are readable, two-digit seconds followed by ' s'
7 h 40 min
